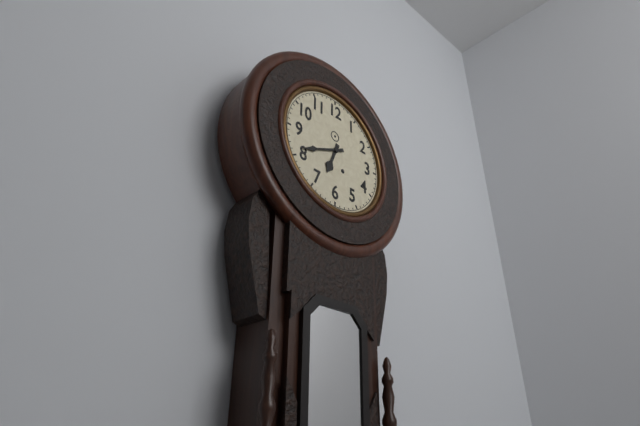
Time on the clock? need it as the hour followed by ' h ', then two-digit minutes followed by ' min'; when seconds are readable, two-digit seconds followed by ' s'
6 h 41 min
